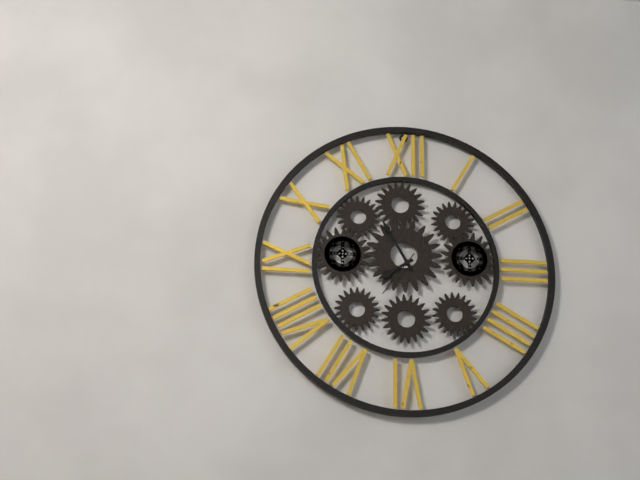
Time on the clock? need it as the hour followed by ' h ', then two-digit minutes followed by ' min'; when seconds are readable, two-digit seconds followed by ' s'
7 h 55 min
